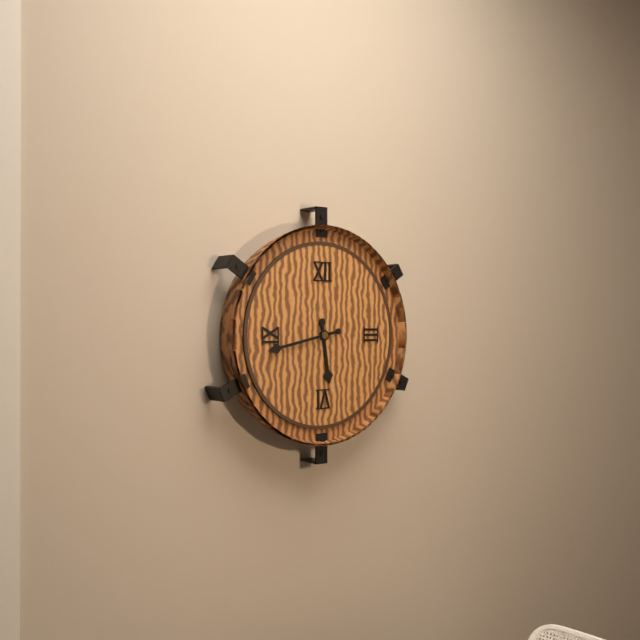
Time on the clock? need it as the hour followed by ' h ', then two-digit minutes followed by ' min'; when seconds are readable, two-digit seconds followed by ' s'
5 h 43 min
